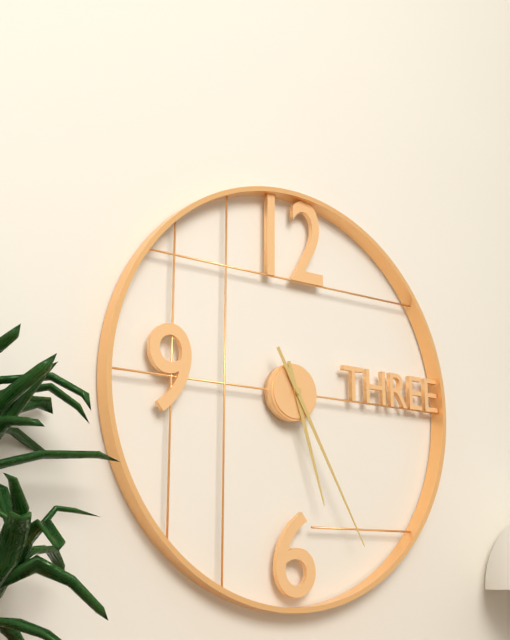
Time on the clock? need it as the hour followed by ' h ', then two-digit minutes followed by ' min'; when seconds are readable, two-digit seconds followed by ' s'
5 h 25 min
